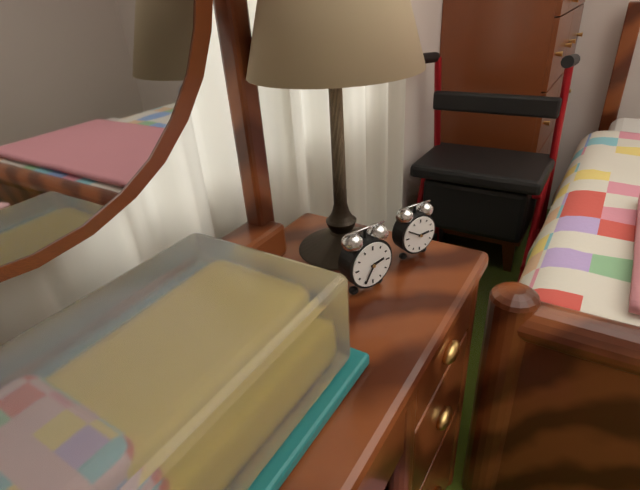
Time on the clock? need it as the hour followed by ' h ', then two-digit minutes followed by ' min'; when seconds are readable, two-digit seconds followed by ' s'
2 h 35 min
